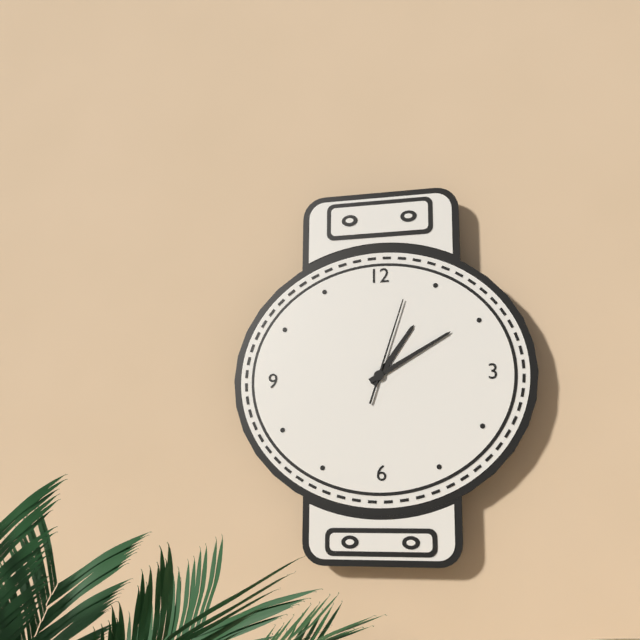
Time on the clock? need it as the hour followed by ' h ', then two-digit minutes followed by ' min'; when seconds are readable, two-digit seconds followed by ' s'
1 h 10 min 03 s
